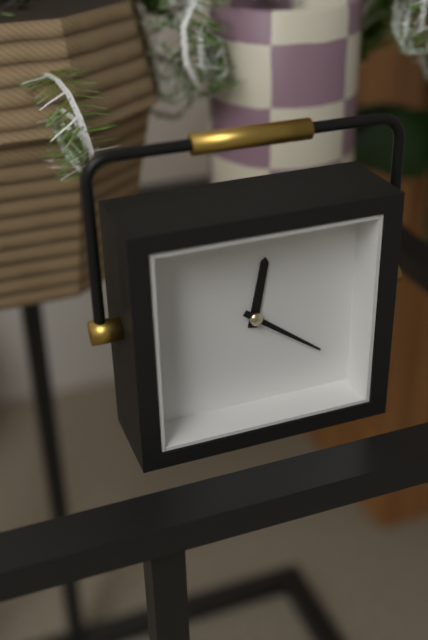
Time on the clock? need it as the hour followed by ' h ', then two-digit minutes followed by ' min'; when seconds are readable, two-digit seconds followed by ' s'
12 h 21 min
